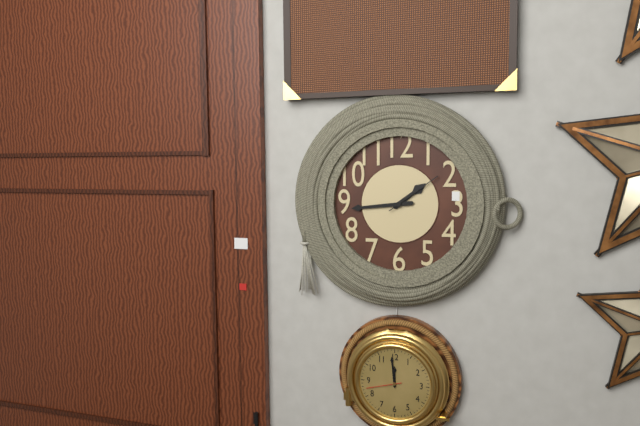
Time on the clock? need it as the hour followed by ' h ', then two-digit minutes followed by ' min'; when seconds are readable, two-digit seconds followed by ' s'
1 h 44 min 09 s
